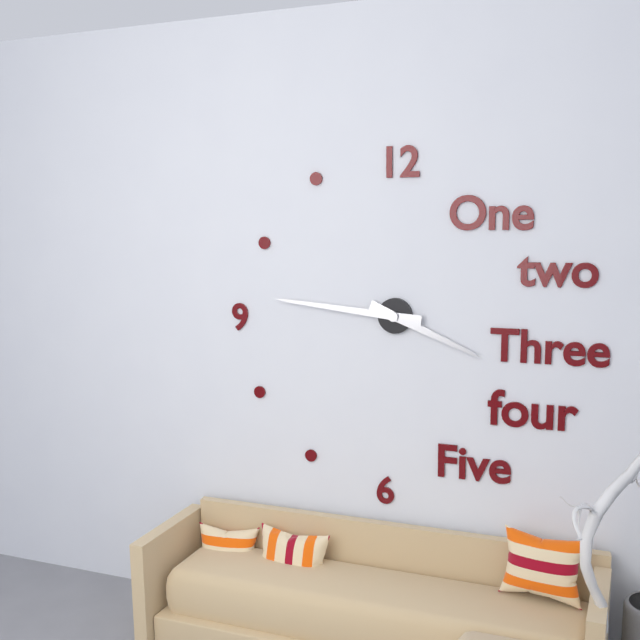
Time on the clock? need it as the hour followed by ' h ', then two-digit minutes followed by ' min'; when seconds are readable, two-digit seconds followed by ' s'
3 h 46 min
